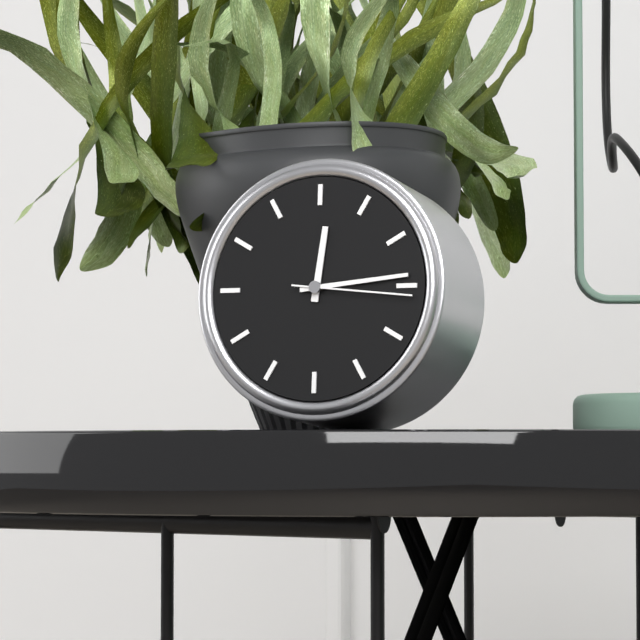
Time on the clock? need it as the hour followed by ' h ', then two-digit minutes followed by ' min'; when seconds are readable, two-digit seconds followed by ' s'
12 h 14 min 16 s
